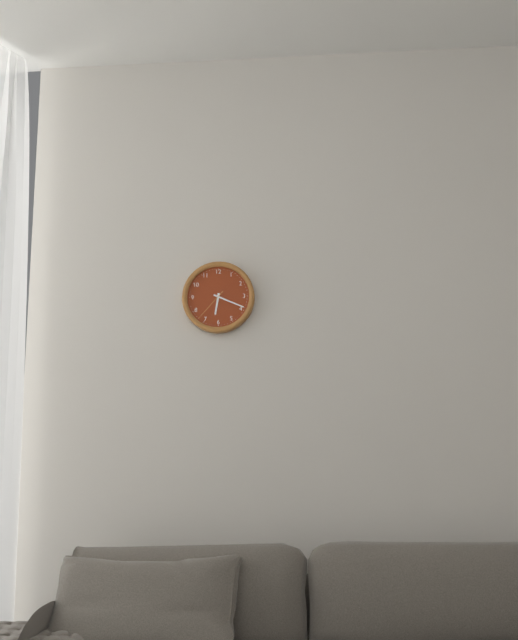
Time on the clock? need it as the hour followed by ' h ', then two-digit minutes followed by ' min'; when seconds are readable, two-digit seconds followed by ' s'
6 h 19 min
